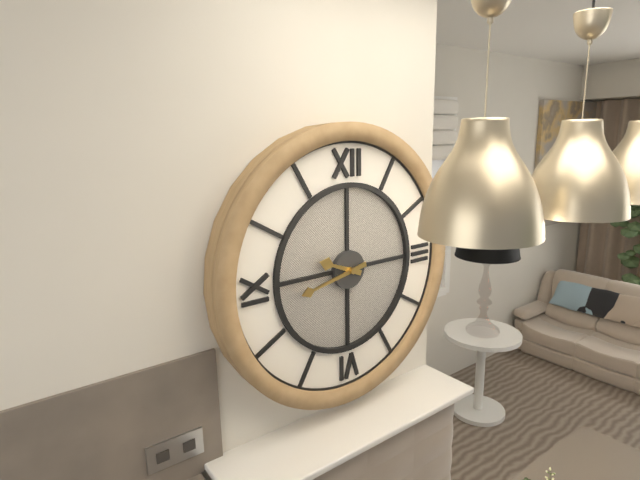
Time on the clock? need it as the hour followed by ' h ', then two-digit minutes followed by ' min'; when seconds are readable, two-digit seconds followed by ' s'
9 h 43 min
